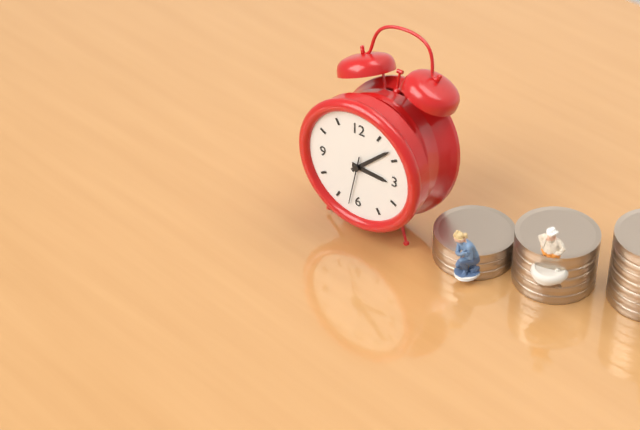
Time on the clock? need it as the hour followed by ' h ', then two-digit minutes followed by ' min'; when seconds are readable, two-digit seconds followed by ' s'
3 h 08 min
